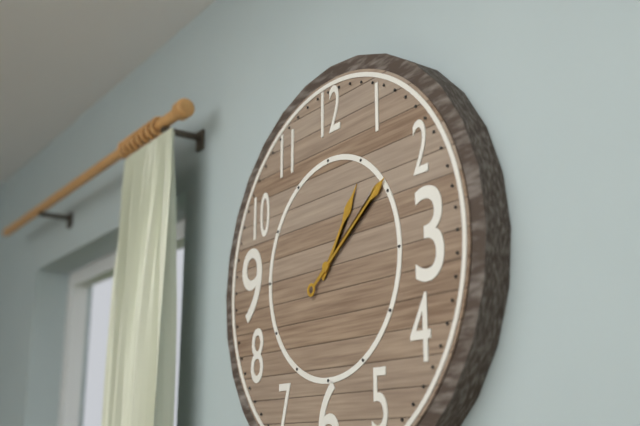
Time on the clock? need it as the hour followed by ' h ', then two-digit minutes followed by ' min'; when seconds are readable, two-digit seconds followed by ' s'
1 h 09 min
